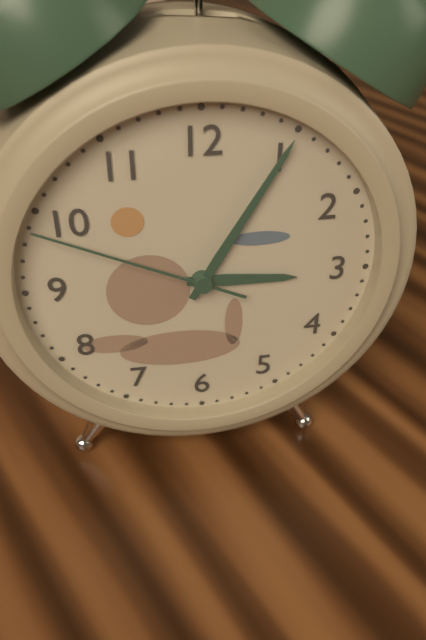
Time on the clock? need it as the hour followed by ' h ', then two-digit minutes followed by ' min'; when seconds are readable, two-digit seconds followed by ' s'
3 h 05 min 49 s
